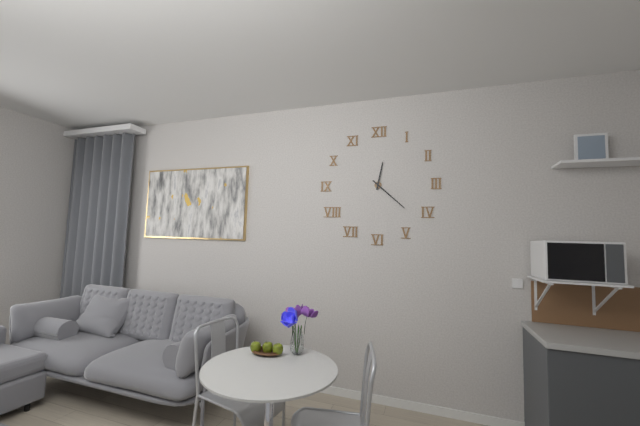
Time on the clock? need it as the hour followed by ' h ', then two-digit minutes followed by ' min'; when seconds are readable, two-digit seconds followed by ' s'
12 h 22 min
